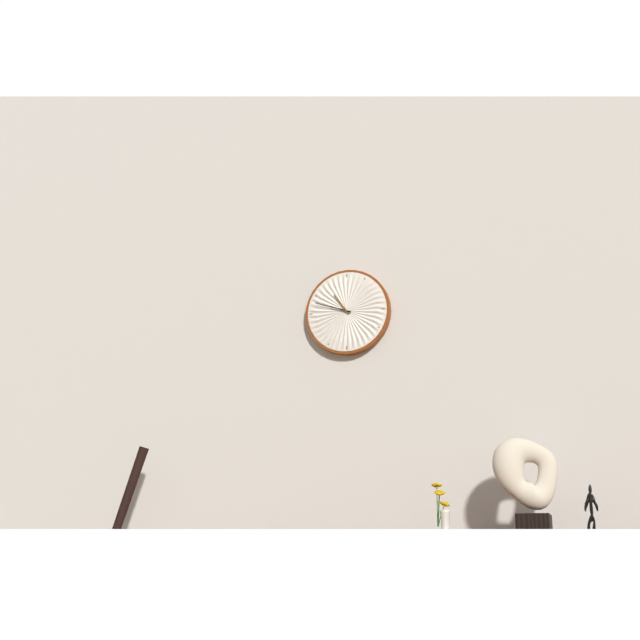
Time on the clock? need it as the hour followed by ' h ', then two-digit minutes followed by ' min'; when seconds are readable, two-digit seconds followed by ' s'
10 h 48 min
